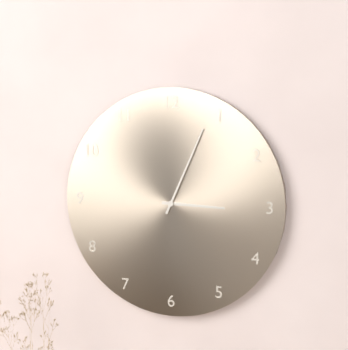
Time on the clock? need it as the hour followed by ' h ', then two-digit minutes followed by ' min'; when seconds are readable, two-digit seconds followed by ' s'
3 h 04 min
